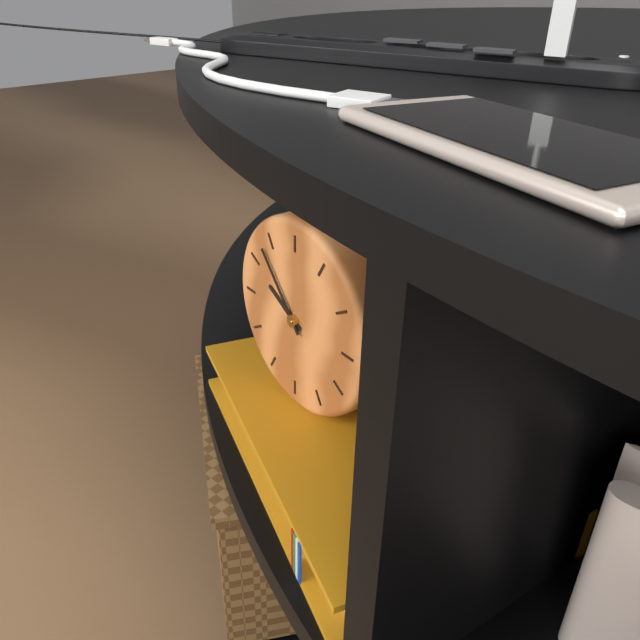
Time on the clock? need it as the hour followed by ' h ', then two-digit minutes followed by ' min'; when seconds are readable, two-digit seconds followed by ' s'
9 h 53 min
